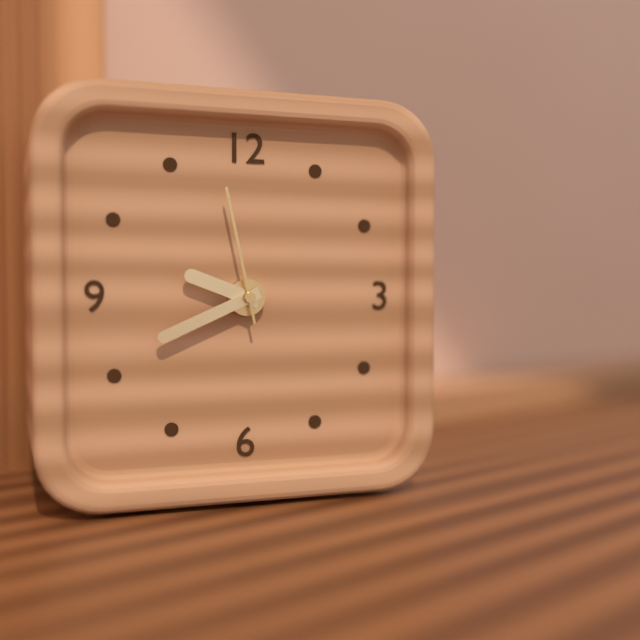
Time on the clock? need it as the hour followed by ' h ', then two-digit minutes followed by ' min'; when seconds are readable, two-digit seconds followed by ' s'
9 h 41 min 58 s
